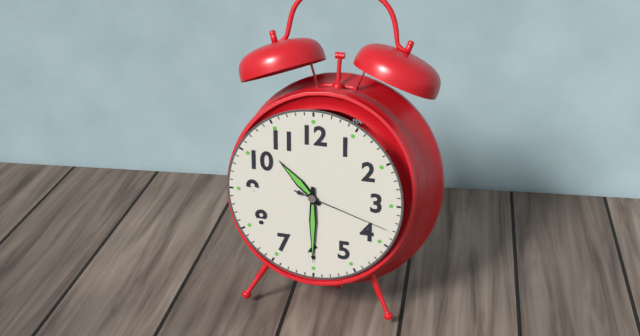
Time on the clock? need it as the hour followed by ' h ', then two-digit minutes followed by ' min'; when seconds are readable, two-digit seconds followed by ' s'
10 h 30 min 18 s
